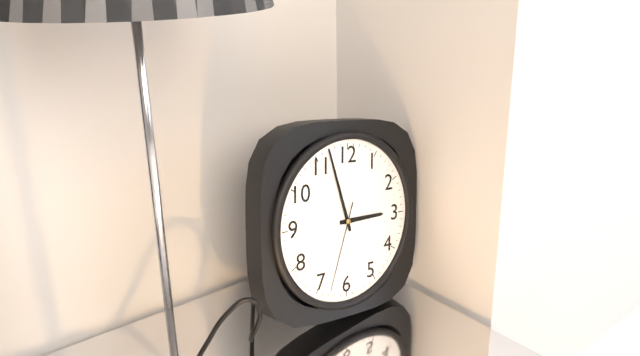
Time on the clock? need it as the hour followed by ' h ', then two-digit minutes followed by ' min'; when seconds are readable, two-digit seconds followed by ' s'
2 h 57 min 33 s
